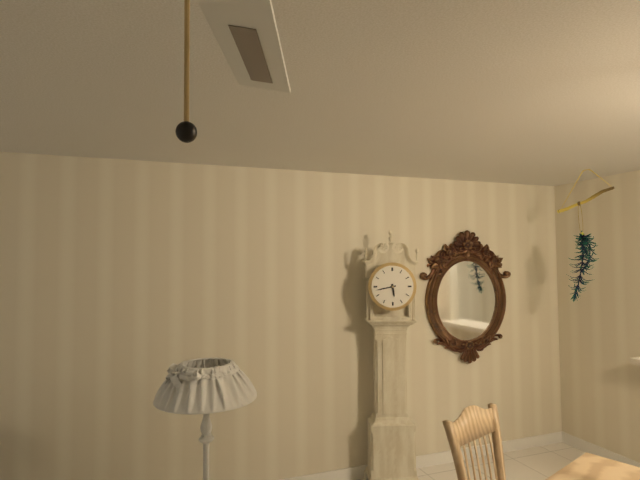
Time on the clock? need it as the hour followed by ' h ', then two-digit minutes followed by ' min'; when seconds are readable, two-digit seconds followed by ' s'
5 h 43 min
